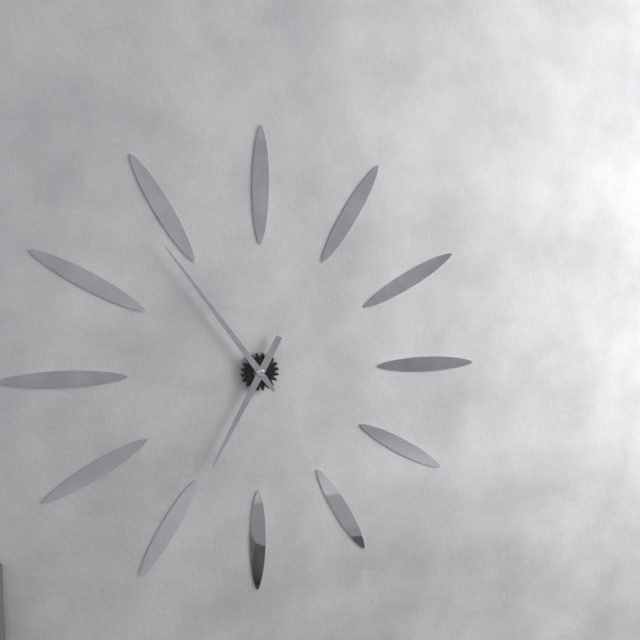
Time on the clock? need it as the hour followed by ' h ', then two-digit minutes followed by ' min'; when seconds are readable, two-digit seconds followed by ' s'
6 h 54 min
